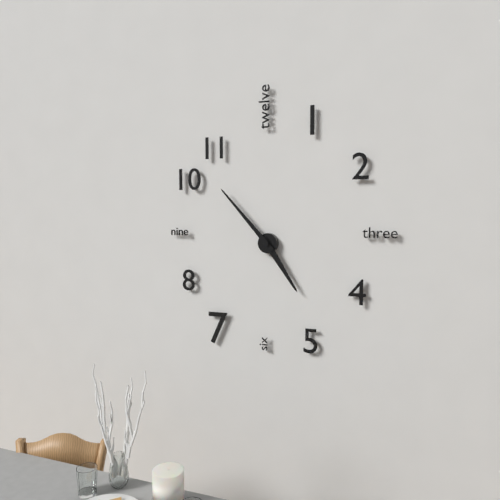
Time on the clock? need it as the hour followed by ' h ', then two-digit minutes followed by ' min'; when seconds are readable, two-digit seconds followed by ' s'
4 h 53 min
